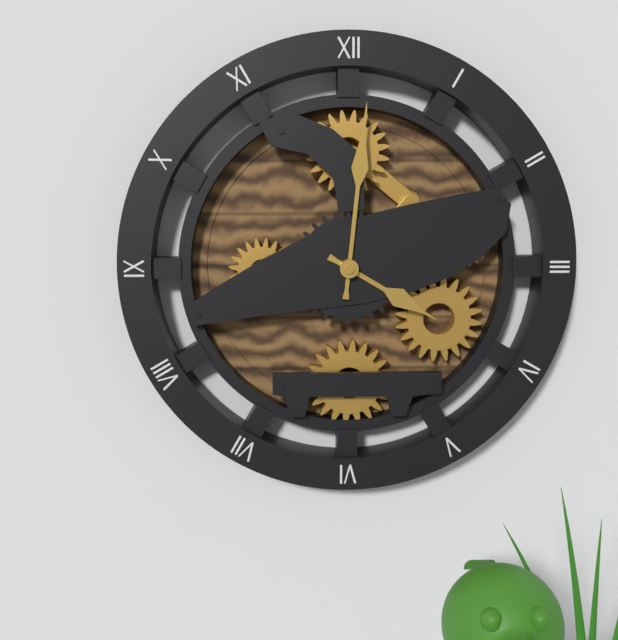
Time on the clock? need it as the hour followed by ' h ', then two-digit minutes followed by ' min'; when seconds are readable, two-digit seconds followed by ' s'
4 h 01 min
